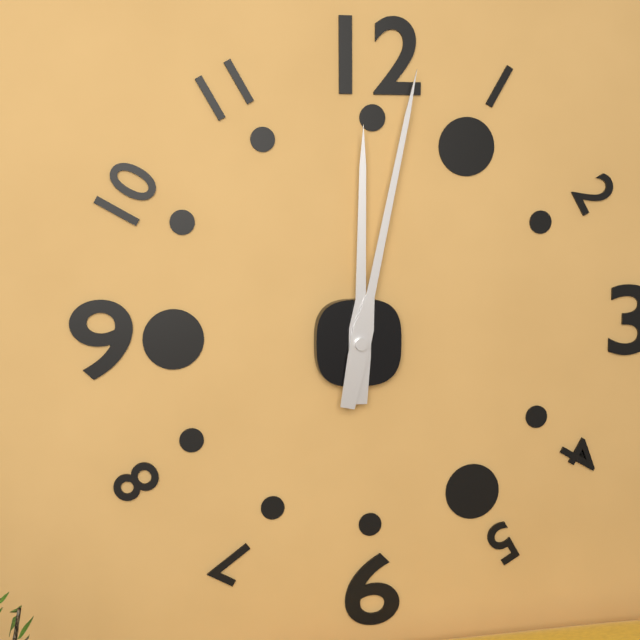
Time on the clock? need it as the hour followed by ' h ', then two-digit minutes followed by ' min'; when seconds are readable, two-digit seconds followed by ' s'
12 h 02 min
